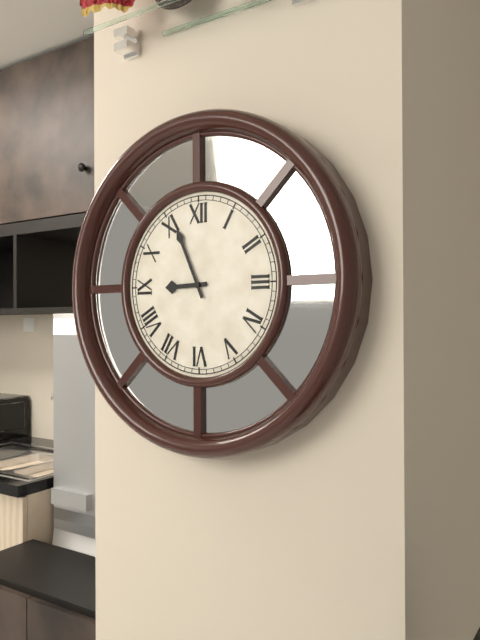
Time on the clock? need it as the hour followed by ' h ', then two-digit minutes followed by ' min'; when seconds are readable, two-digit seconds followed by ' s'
8 h 56 min
